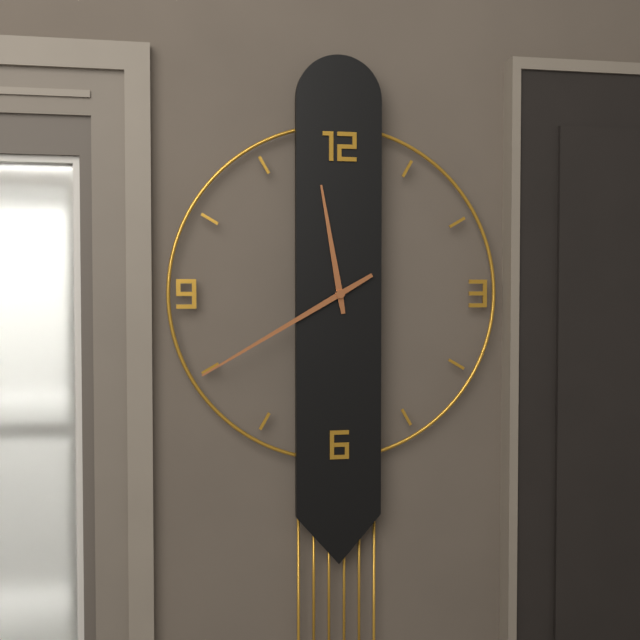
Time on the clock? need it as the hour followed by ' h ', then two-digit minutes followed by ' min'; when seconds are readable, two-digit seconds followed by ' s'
11 h 40 min
